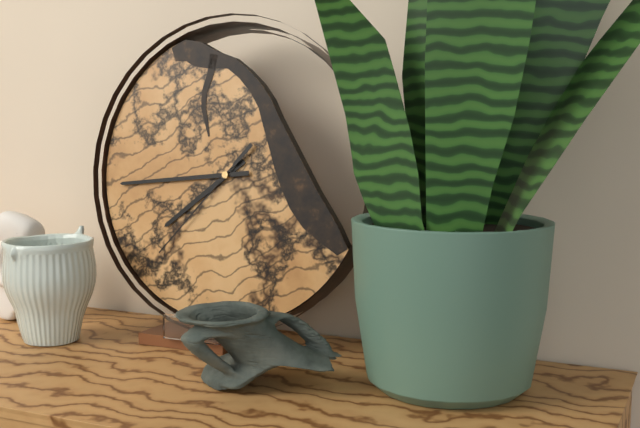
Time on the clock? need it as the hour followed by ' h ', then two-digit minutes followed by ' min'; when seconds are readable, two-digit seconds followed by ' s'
7 h 44 min 37 s
